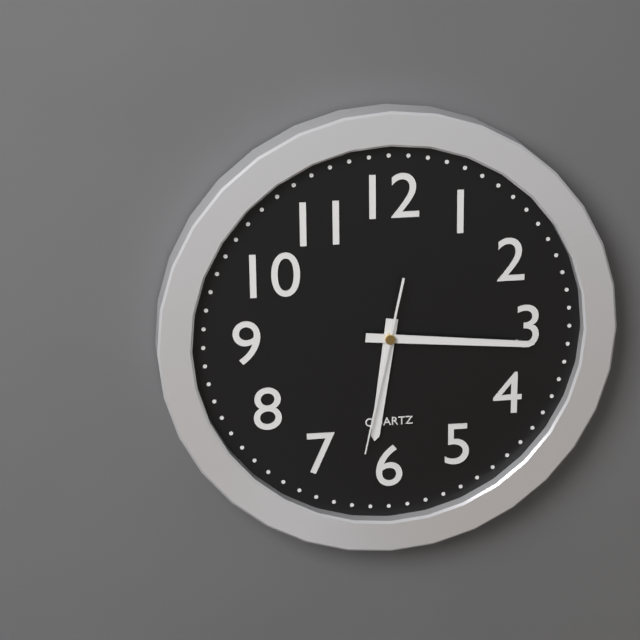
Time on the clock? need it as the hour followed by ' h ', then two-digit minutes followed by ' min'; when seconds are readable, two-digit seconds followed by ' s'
6 h 16 min 32 s
